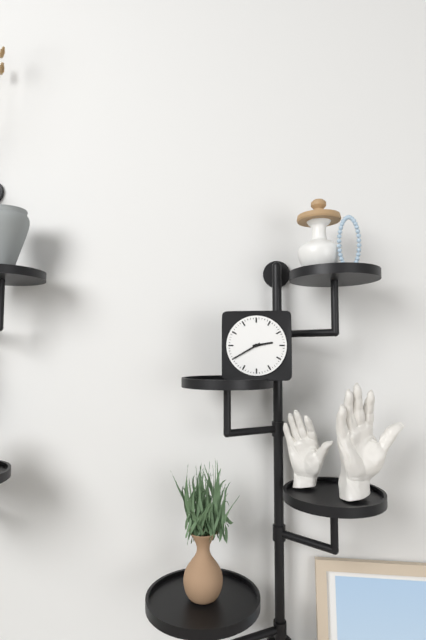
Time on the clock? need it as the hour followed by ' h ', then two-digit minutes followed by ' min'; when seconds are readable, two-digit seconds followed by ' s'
2 h 40 min
